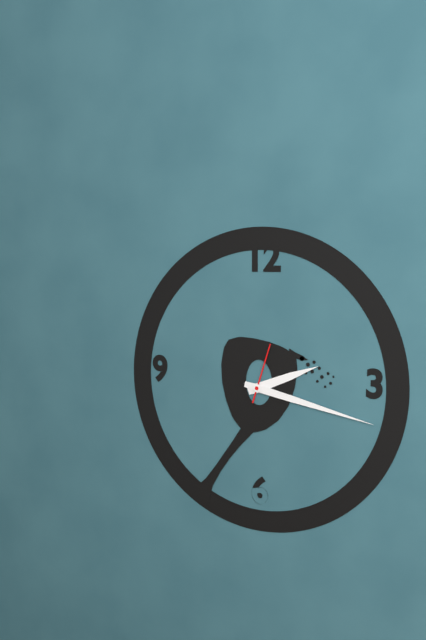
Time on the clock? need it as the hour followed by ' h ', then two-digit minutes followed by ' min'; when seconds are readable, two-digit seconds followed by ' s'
2 h 17 min 03 s
